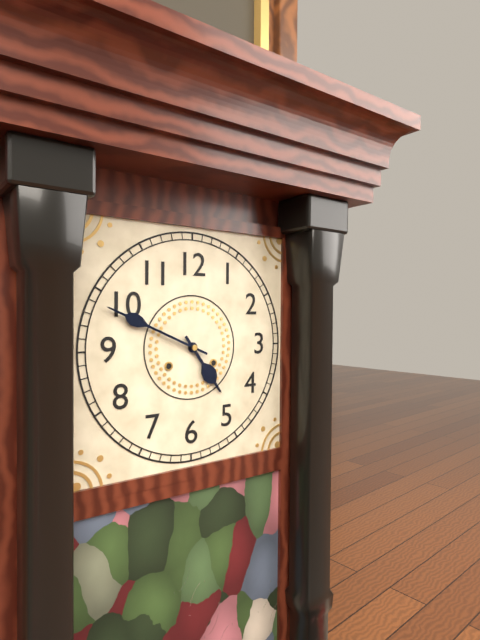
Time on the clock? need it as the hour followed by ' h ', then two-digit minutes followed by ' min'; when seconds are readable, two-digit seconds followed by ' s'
4 h 49 min
